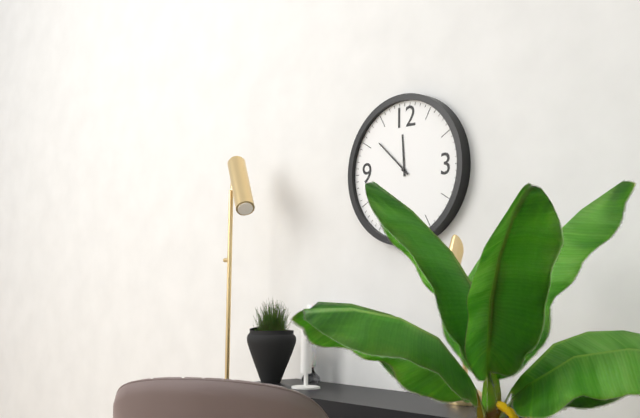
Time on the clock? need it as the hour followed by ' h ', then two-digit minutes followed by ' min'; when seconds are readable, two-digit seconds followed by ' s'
11 h 52 min
